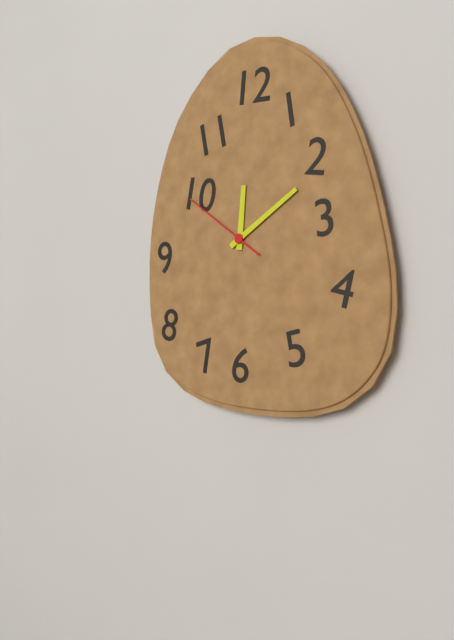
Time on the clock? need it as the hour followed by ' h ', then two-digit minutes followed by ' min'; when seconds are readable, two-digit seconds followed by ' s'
12 h 10 min 51 s
